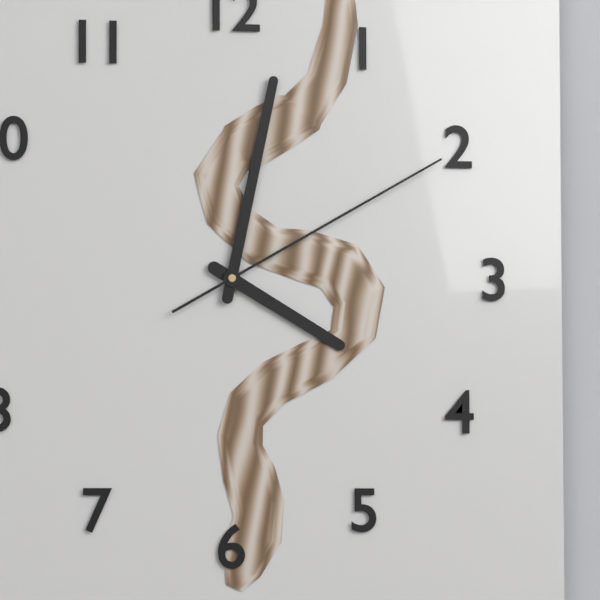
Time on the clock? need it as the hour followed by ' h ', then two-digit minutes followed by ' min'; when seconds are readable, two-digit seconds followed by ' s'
4 h 02 min 10 s
